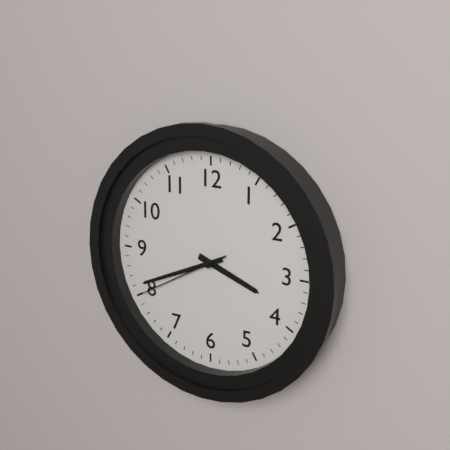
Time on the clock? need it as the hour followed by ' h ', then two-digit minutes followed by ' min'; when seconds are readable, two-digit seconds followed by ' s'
3 h 41 min 40 s
